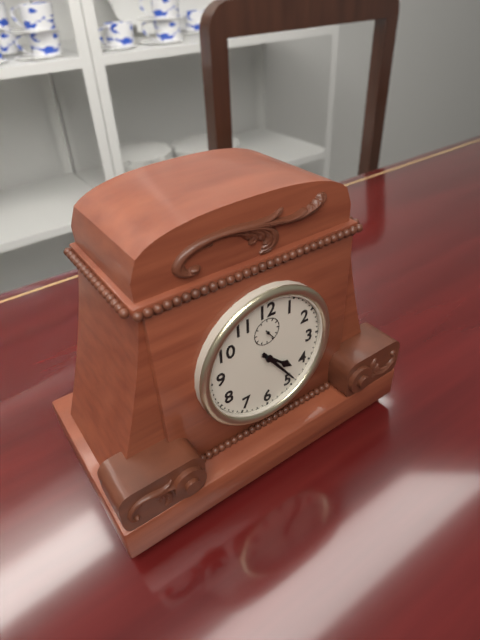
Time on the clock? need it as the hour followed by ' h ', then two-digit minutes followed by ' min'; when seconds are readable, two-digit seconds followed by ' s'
4 h 24 min
